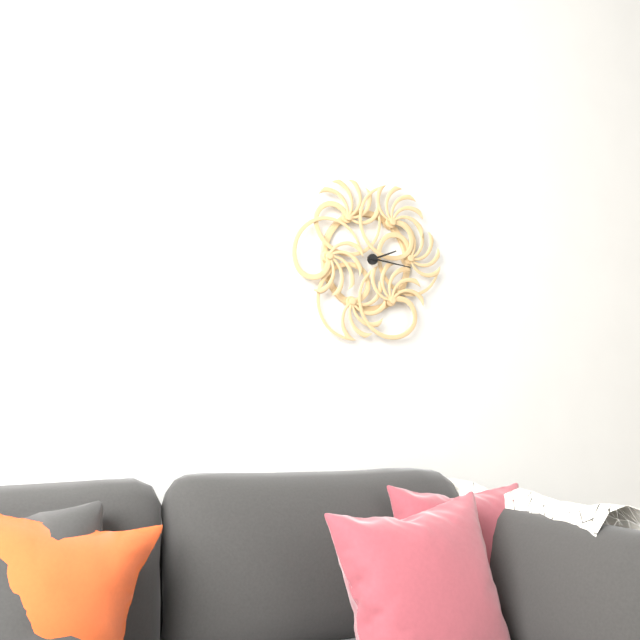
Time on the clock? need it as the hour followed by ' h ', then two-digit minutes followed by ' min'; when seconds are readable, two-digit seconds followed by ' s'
2 h 16 min
